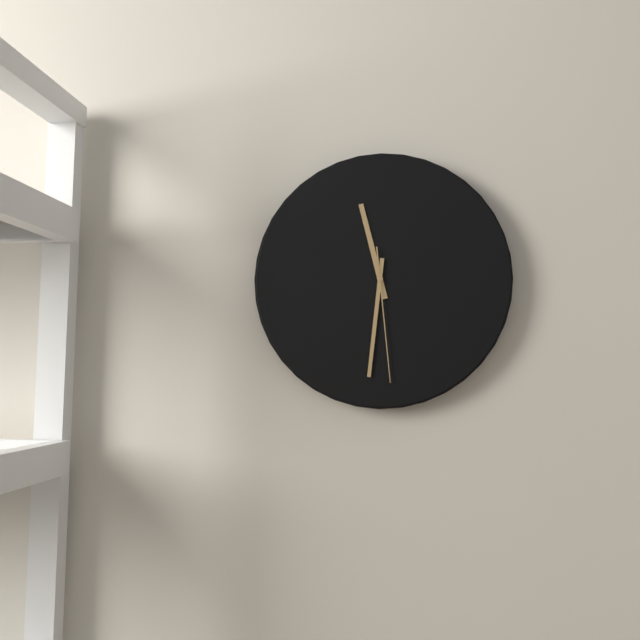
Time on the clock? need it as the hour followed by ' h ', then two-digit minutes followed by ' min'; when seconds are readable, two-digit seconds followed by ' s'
11 h 31 min 29 s
